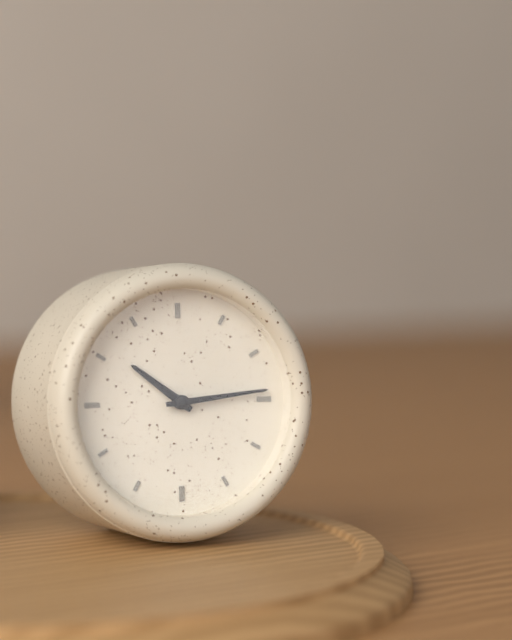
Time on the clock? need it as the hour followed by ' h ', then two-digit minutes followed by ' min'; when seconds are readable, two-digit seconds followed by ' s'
10 h 14 min
